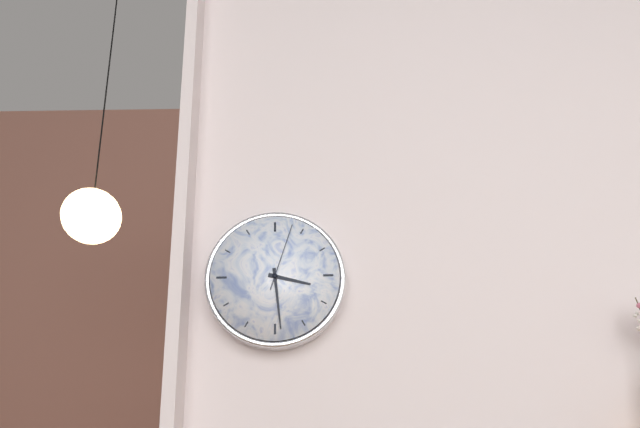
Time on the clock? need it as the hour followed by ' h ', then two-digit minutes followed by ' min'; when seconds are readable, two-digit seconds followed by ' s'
3 h 29 min 03 s
